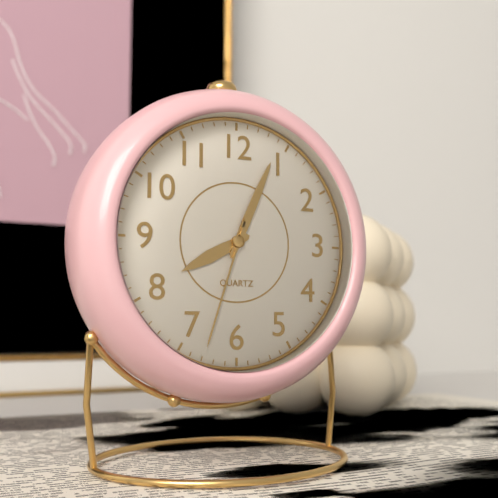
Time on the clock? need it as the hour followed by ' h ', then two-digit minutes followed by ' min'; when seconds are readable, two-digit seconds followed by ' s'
8 h 04 min 33 s
